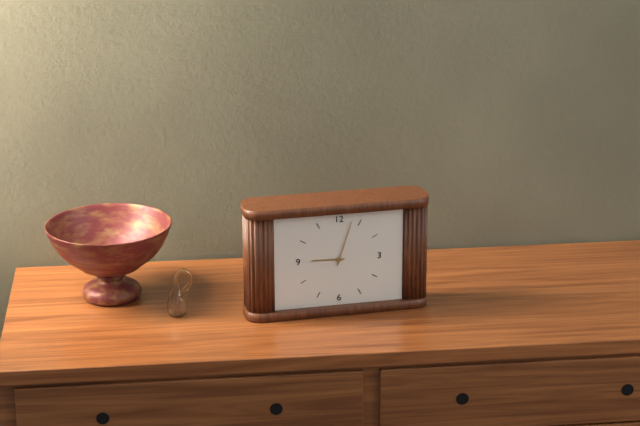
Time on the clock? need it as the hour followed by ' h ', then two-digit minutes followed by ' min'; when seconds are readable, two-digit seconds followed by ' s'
9 h 03 min
